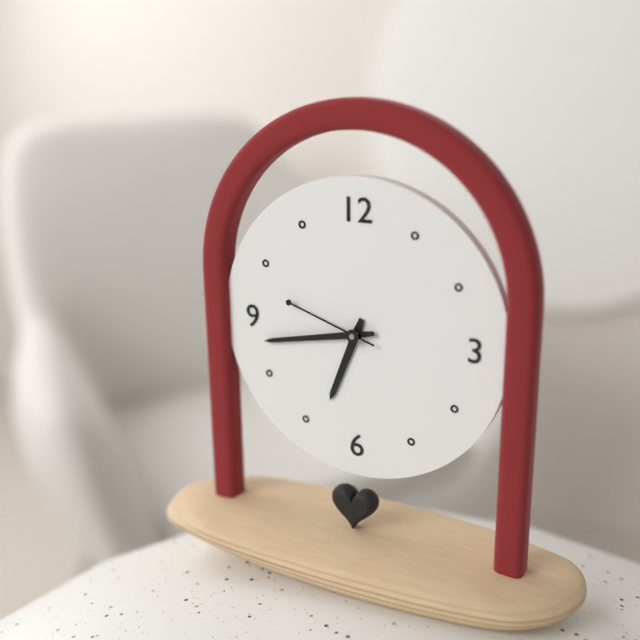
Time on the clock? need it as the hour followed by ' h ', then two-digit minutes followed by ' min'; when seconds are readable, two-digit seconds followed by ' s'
6 h 43 min 48 s
